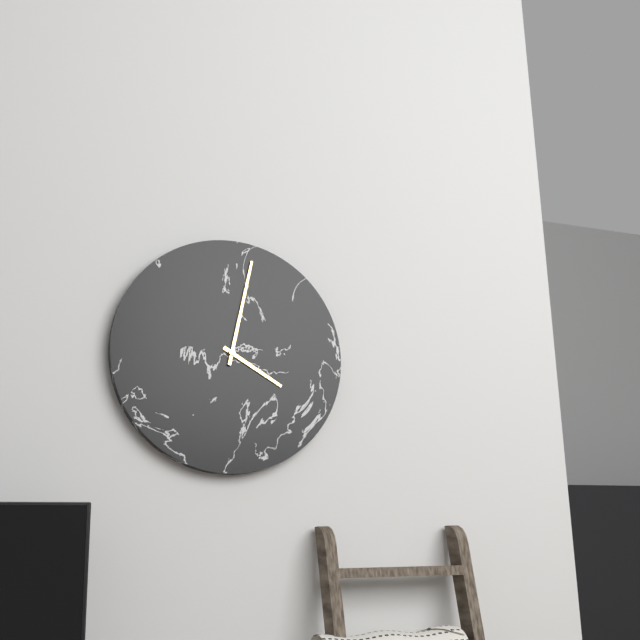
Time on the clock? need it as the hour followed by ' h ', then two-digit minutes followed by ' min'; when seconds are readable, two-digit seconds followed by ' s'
4 h 02 min
